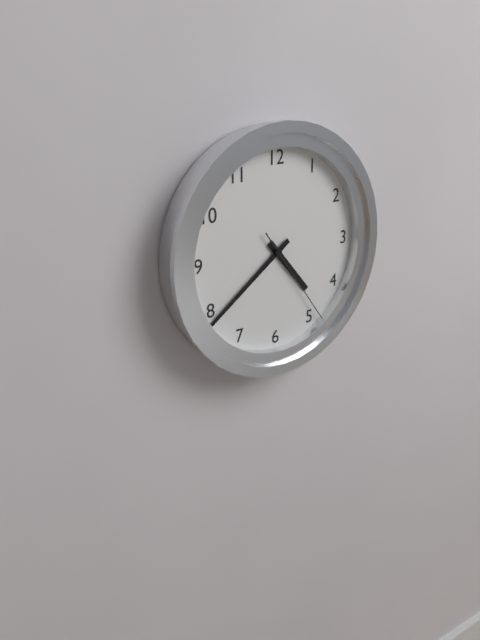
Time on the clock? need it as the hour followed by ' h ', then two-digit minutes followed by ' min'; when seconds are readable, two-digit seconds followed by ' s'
4 h 39 min 24 s
